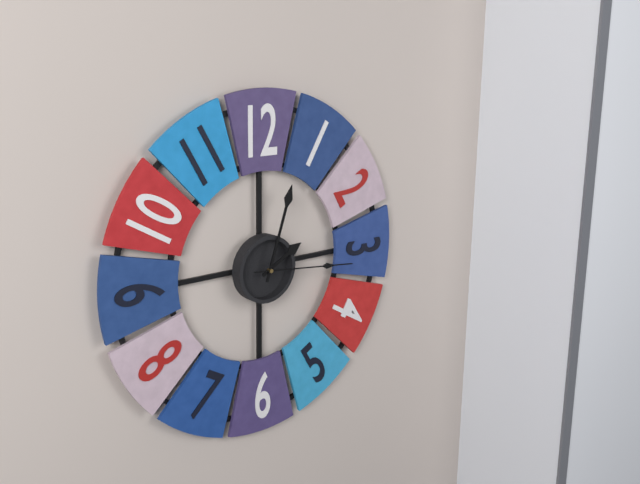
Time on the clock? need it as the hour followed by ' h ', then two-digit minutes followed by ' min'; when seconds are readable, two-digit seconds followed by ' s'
2 h 03 min 16 s
